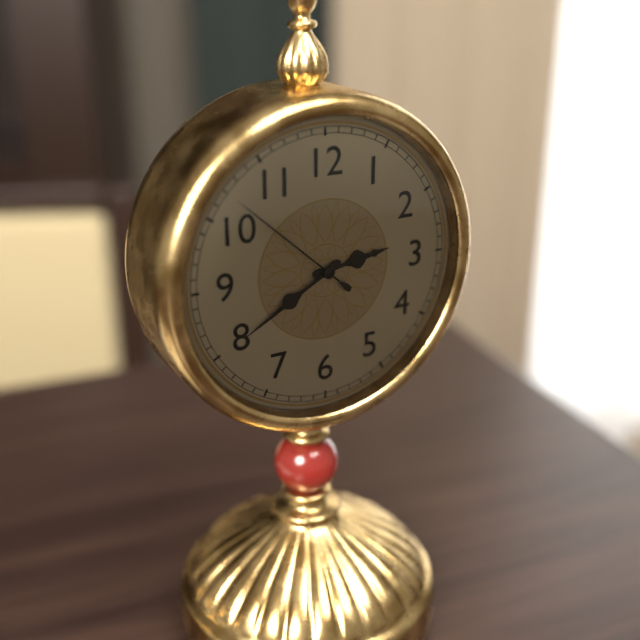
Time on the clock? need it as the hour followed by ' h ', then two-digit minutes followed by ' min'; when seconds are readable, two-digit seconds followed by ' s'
2 h 40 min 52 s
